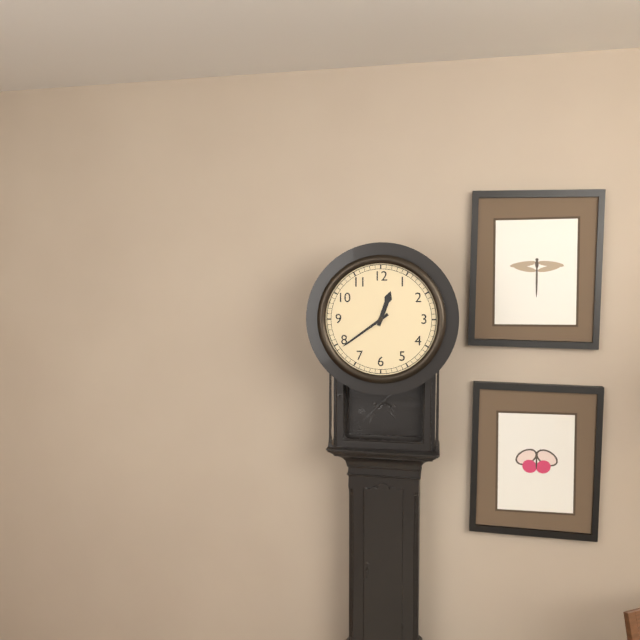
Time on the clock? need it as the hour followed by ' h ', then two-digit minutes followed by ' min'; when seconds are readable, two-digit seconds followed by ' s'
12 h 39 min
